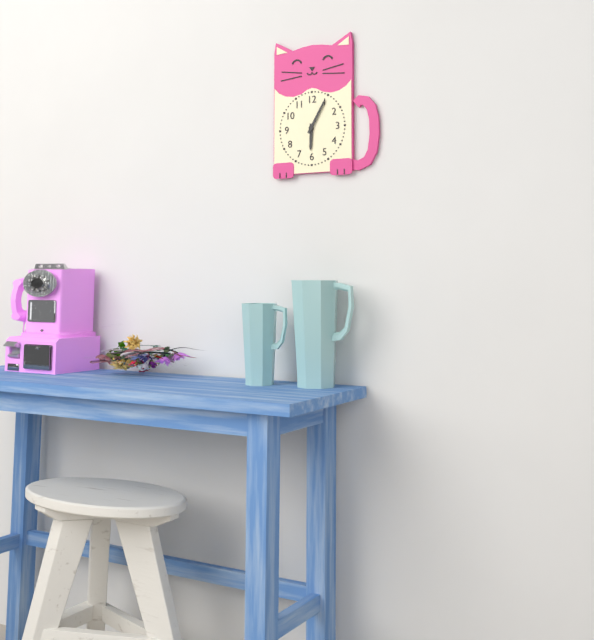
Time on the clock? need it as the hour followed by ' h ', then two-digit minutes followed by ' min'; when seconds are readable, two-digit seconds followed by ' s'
6 h 05 min
